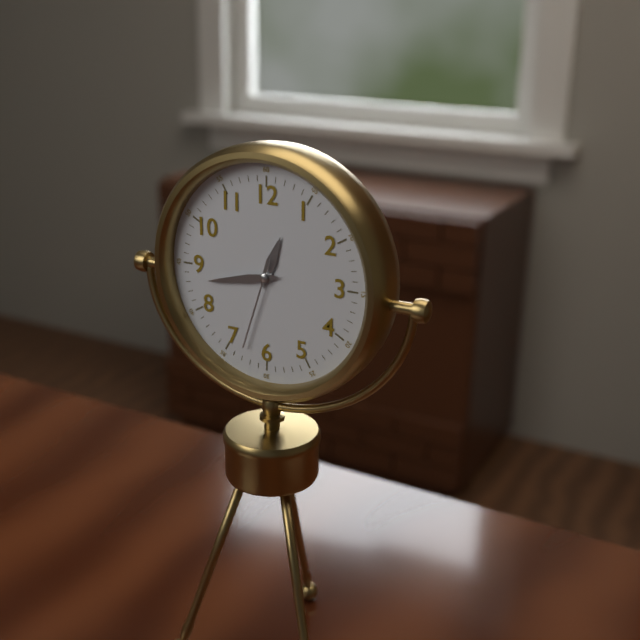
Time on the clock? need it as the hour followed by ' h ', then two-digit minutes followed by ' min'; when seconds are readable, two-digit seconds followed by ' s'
12 h 43 min 33 s
